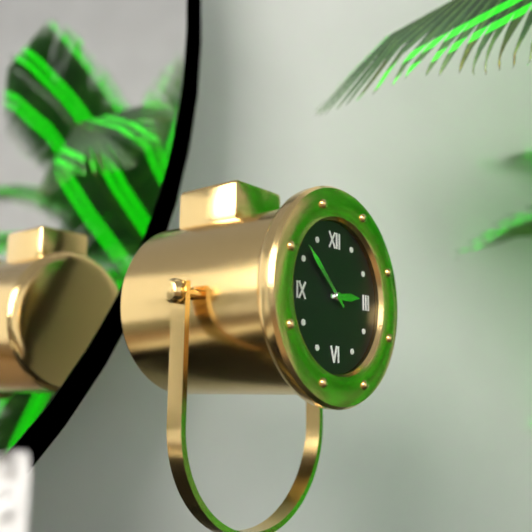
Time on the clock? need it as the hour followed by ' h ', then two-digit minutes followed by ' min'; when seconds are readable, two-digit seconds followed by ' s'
2 h 52 min
